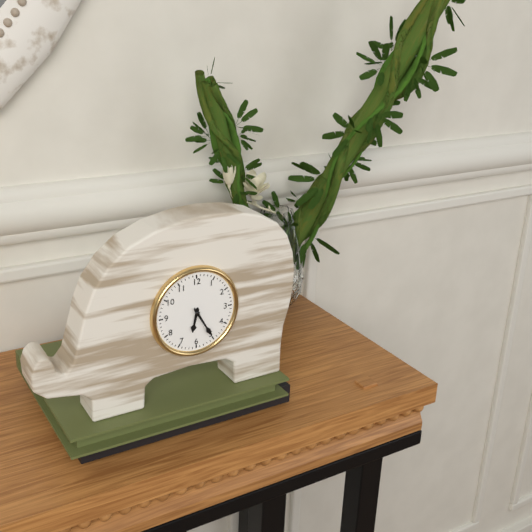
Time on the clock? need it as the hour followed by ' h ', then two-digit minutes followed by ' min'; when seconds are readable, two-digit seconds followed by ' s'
6 h 25 min
